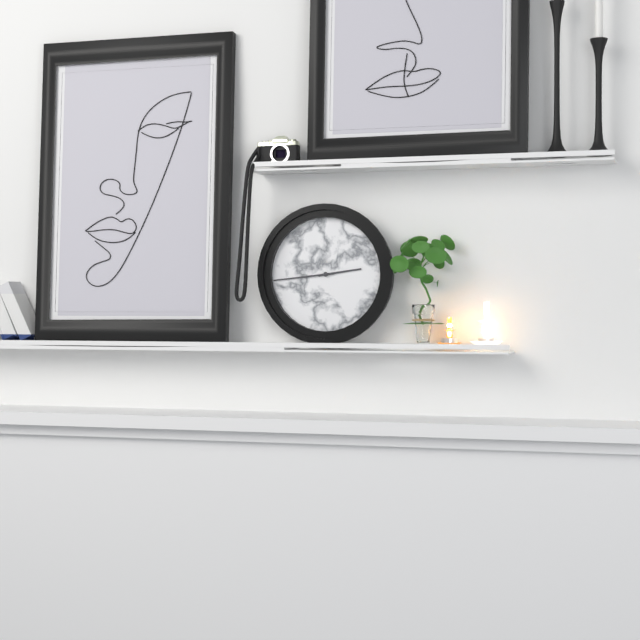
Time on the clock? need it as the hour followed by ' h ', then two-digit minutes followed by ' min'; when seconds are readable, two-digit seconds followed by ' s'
2 h 44 min
